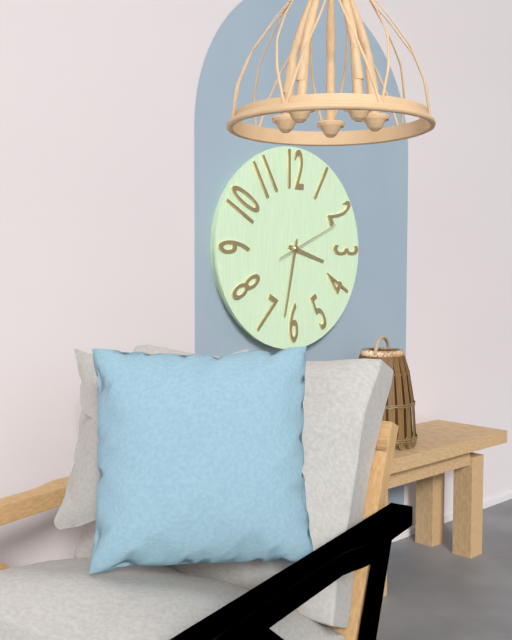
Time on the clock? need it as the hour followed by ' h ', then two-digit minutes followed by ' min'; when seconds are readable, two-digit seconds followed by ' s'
3 h 32 min 11 s
